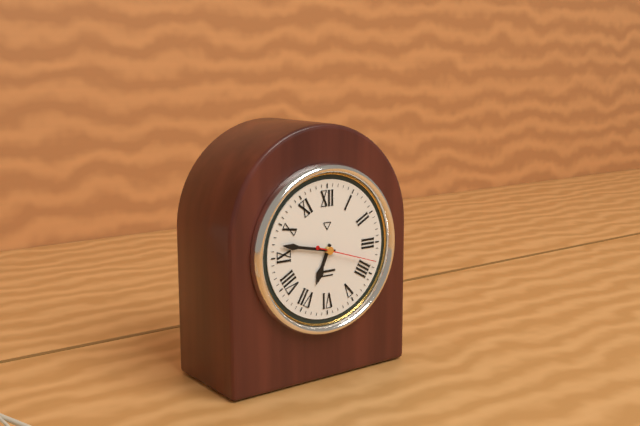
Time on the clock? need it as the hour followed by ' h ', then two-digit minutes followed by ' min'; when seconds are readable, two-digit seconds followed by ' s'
6 h 47 min 18 s
